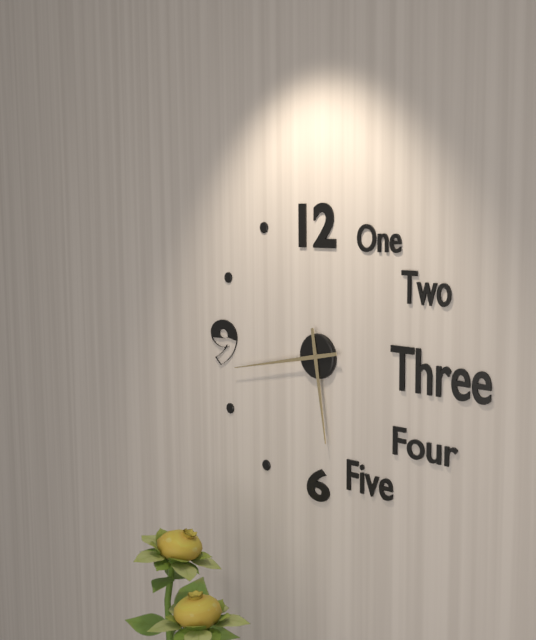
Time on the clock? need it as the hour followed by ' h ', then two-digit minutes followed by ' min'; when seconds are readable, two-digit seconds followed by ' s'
5 h 43 min
